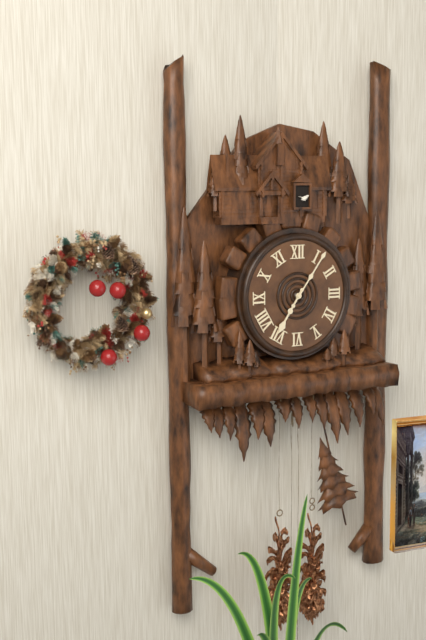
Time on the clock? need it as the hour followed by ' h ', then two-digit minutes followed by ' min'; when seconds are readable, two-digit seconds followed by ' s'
7 h 06 min
